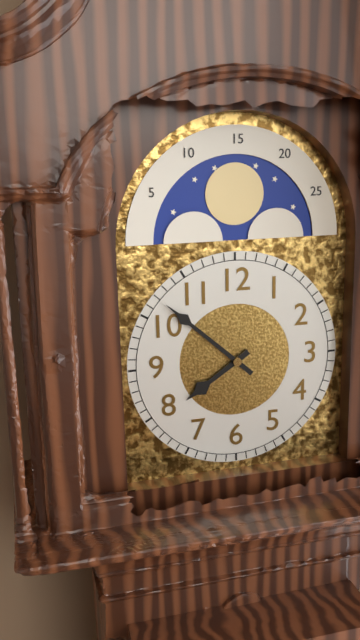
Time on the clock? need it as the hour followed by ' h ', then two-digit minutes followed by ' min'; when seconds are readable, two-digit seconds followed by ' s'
7 h 52 min
